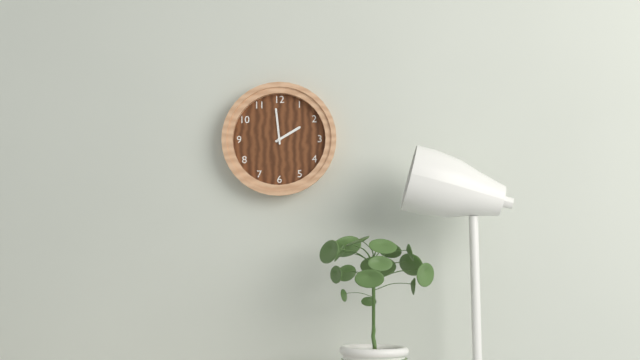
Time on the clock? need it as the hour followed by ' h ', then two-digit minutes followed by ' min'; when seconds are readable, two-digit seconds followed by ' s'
1 h 59 min
